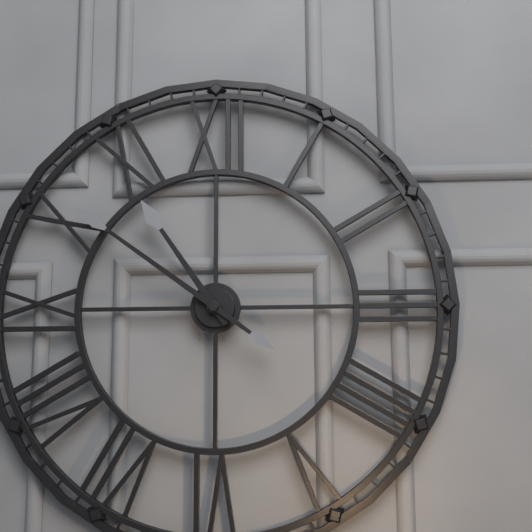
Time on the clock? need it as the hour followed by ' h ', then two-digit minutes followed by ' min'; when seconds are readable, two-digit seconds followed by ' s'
10 h 51 min
